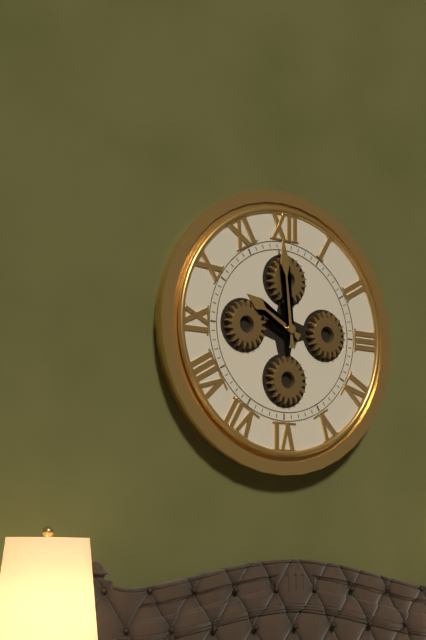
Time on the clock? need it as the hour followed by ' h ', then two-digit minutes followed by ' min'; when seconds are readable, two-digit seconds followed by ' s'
9 h 59 min
